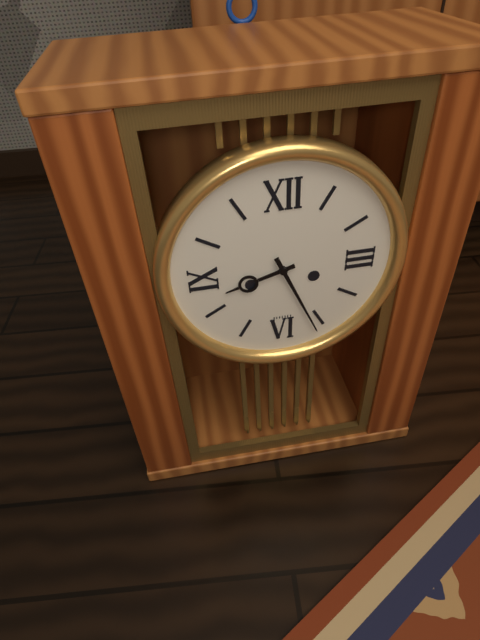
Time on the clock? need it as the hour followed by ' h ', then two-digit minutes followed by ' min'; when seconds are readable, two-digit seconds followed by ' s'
8 h 26 min
